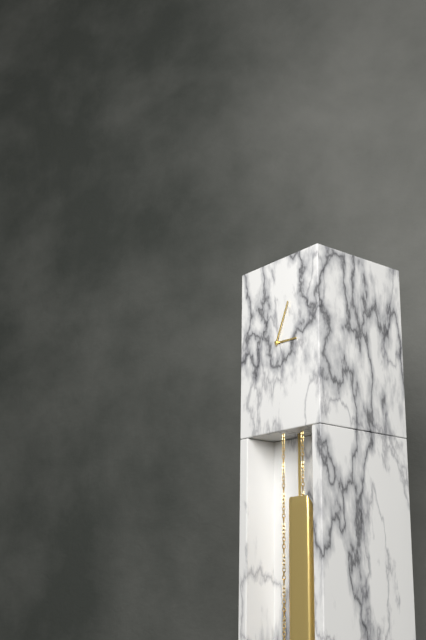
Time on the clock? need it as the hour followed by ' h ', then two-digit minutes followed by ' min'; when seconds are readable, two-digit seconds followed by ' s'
3 h 04 min
